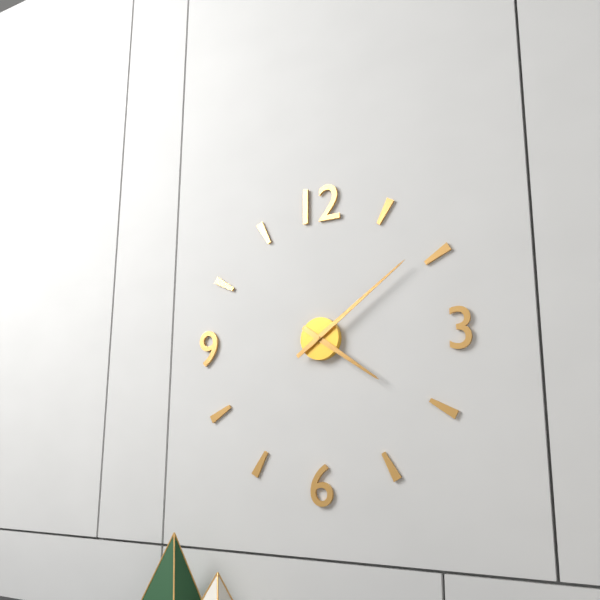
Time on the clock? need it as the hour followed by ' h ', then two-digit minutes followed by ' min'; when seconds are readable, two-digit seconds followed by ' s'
4 h 09 min
